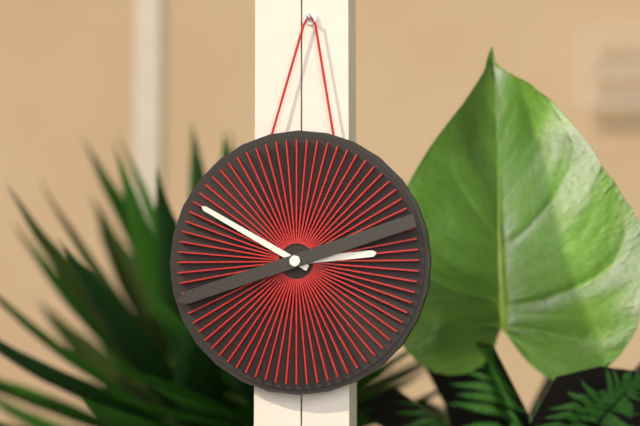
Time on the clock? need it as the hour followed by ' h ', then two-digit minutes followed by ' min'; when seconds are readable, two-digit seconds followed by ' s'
2 h 50 min 42 s
